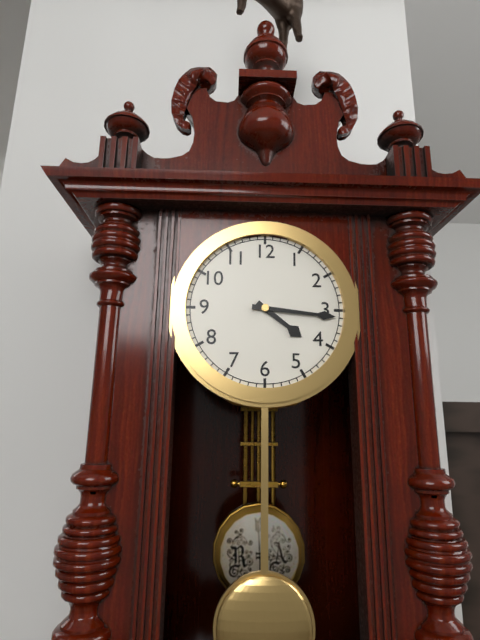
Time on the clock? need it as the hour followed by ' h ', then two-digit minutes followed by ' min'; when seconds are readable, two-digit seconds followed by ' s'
4 h 16 min
